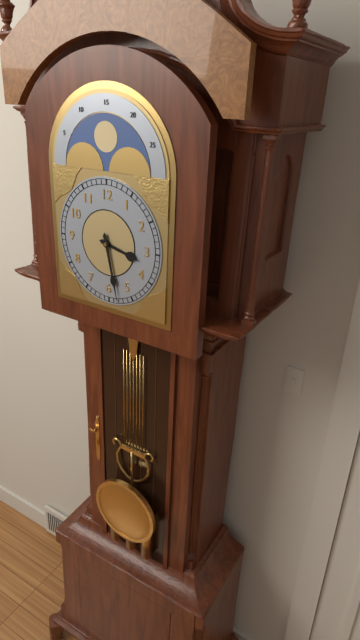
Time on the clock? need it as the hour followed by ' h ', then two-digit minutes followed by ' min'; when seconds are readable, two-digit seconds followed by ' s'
3 h 28 min
